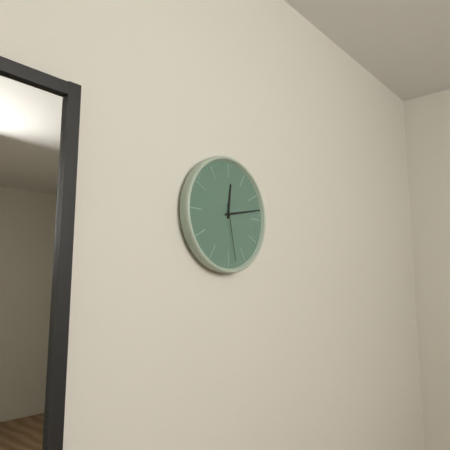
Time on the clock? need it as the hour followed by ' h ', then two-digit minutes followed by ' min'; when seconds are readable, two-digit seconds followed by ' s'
12 h 13 min 28 s
